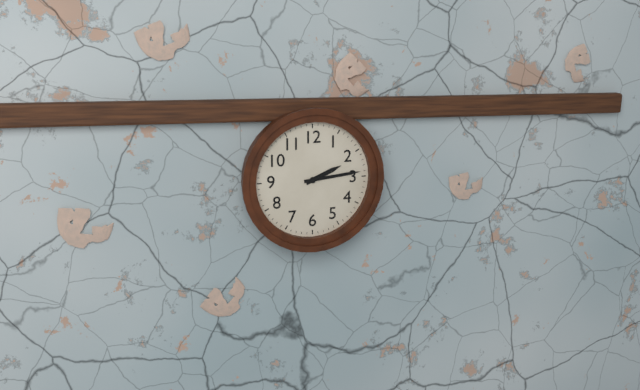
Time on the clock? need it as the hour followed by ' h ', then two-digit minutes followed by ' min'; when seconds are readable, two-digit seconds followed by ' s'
2 h 14 min
